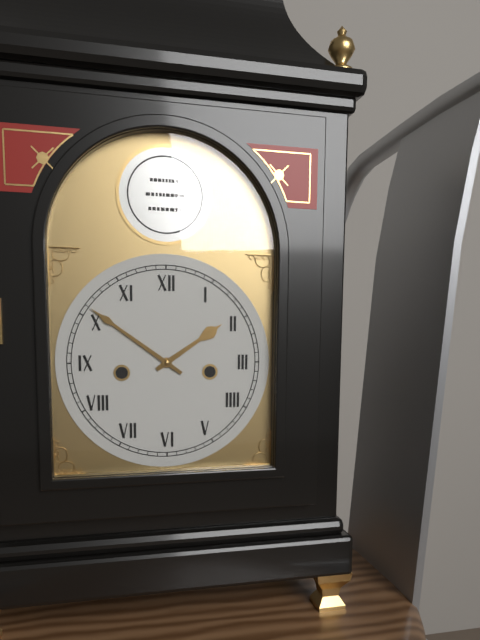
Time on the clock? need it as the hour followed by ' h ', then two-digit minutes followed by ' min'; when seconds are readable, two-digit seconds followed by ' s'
1 h 51 min
